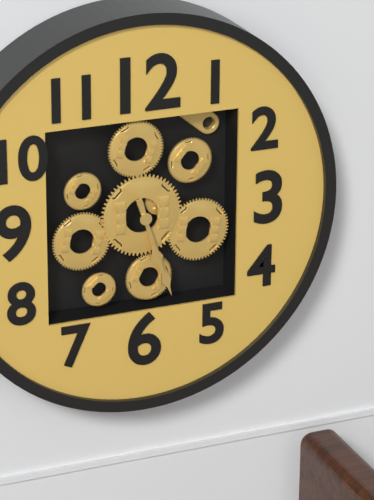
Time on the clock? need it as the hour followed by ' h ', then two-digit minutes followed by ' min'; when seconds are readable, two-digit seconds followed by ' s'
5 h 27 min
